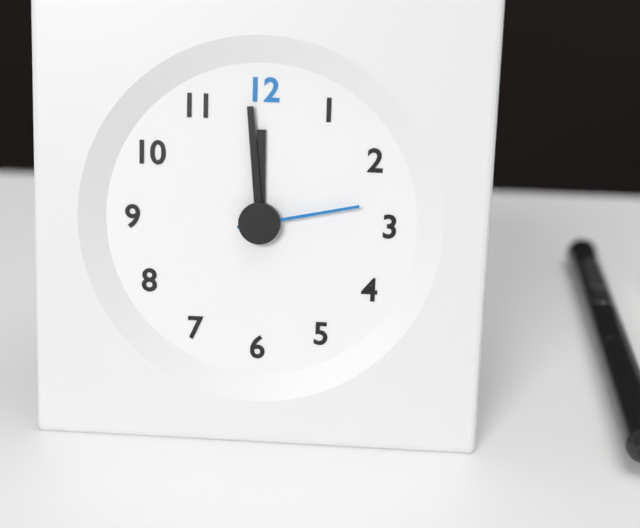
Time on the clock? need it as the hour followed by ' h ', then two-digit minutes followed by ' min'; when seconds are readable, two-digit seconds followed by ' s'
11 h 59 min 13 s
